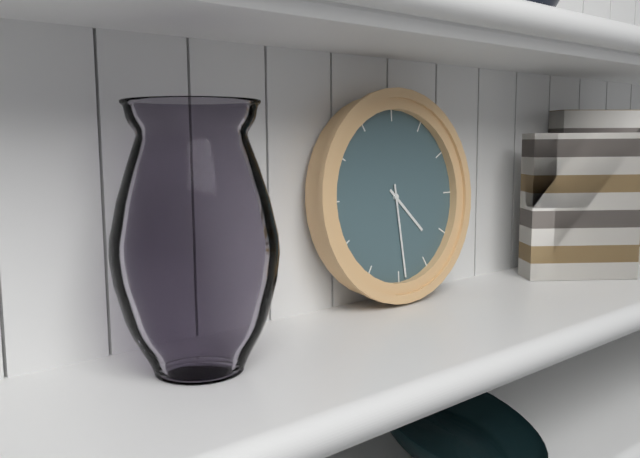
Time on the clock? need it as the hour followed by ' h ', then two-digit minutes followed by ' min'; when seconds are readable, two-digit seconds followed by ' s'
4 h 29 min
